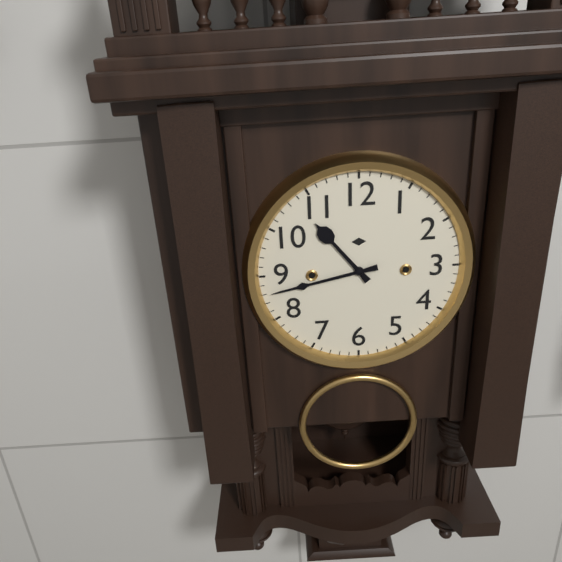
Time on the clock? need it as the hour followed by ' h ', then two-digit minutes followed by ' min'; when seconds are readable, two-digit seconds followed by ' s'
10 h 43 min
